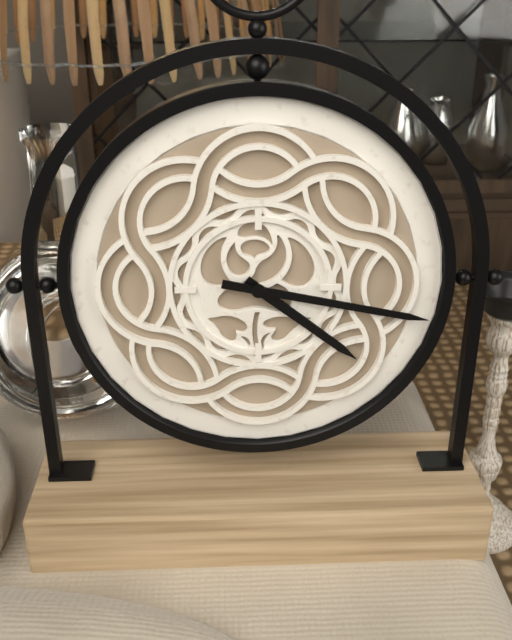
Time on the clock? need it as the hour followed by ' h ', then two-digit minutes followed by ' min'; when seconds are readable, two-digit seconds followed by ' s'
4 h 17 min
